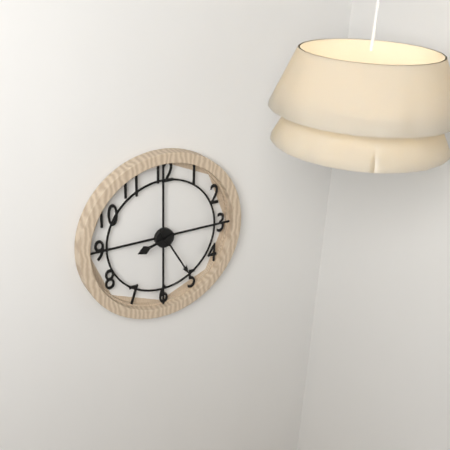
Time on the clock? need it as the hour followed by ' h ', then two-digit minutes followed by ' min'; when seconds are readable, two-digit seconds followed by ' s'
8 h 25 min
